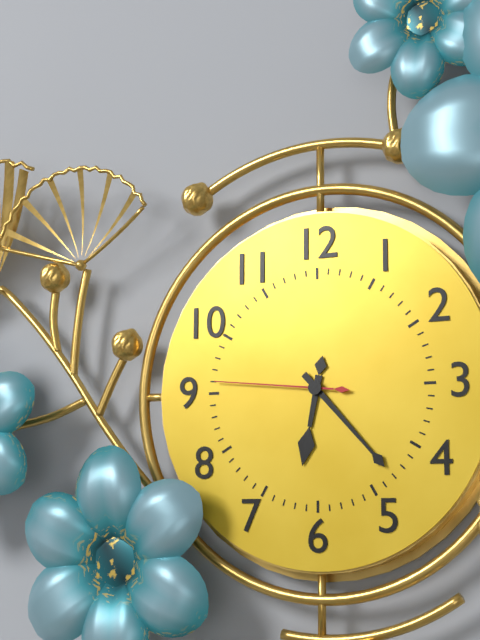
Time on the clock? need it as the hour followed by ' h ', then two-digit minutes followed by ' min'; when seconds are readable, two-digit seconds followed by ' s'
6 h 23 min 46 s
